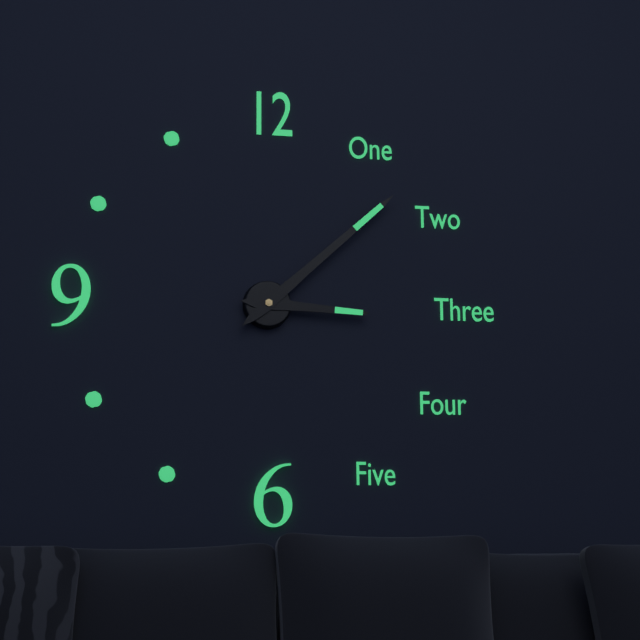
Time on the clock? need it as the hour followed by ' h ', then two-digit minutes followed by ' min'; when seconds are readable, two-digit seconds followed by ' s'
3 h 08 min
